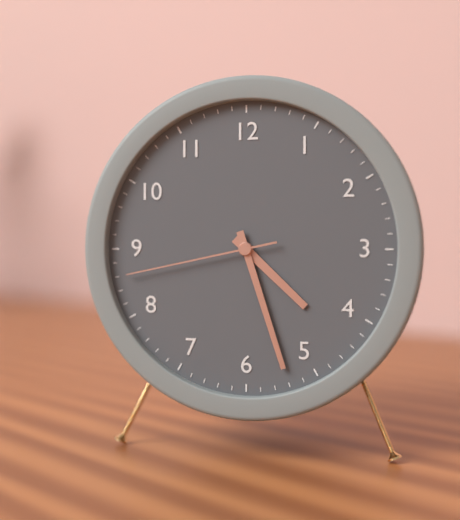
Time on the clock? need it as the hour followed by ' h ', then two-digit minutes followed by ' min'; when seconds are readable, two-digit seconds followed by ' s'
4 h 27 min 43 s
